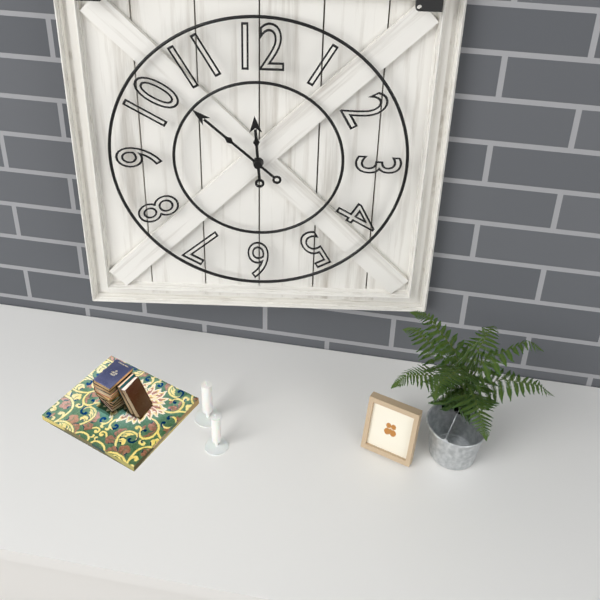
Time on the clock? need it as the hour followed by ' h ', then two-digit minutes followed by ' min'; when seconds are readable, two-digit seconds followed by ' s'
11 h 52 min
